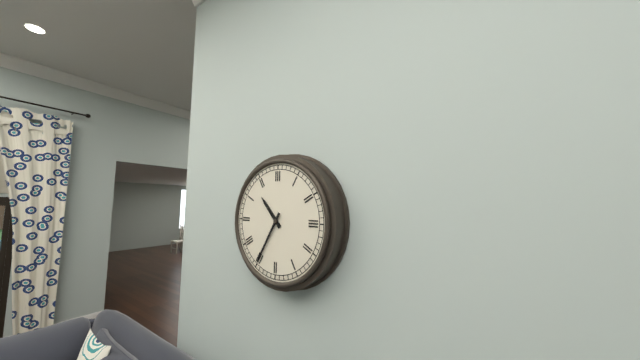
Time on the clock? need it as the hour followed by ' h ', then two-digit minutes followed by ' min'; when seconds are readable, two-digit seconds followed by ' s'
10 h 35 min
